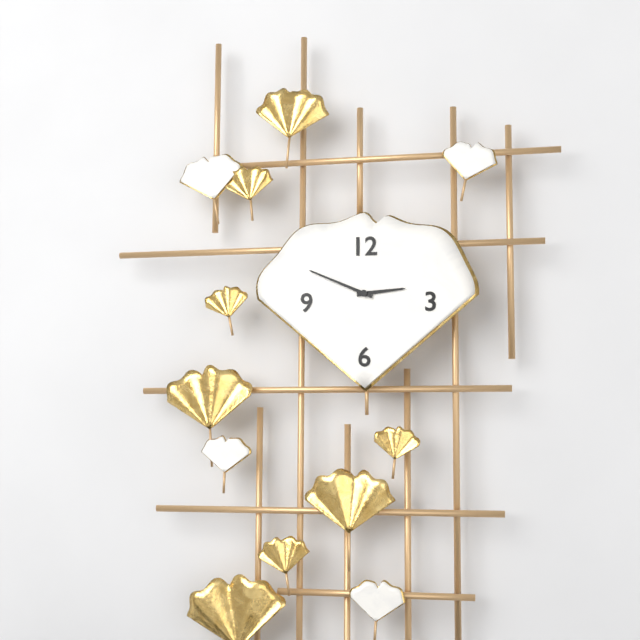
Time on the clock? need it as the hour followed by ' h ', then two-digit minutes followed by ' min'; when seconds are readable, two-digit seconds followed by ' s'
2 h 49 min
